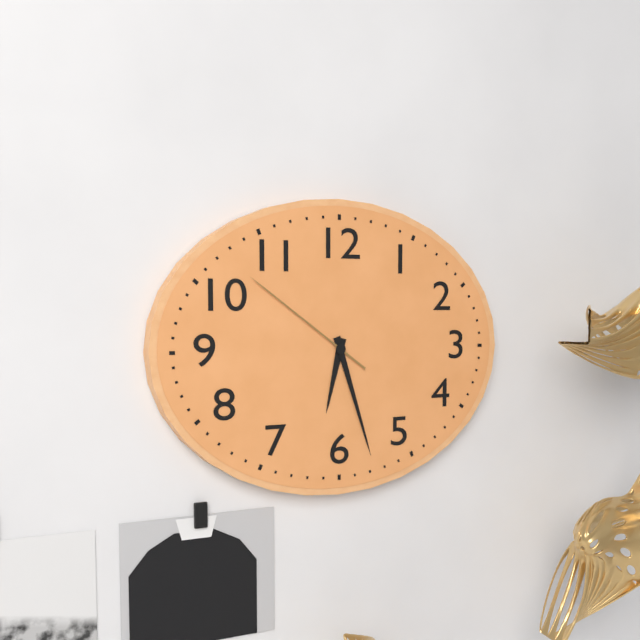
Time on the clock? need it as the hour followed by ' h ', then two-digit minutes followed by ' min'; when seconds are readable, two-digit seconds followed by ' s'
6 h 27 min 51 s
